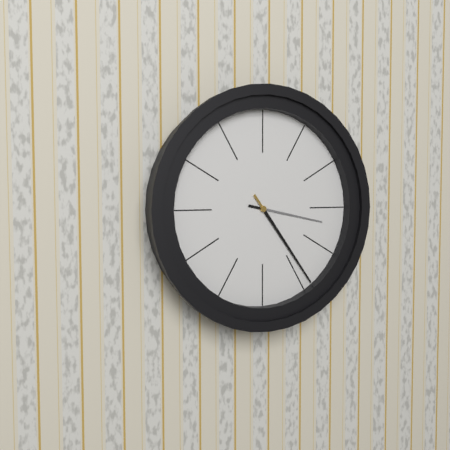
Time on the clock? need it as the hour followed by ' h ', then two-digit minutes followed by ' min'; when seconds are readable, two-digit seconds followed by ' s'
3 h 24 min
